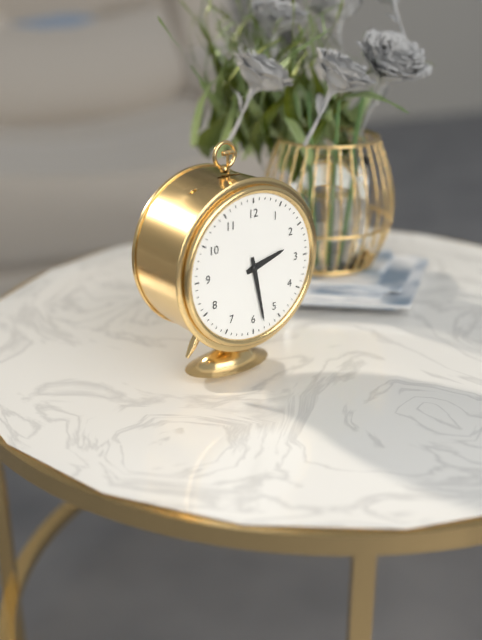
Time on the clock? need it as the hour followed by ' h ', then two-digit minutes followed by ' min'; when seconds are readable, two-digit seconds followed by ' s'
2 h 28 min
